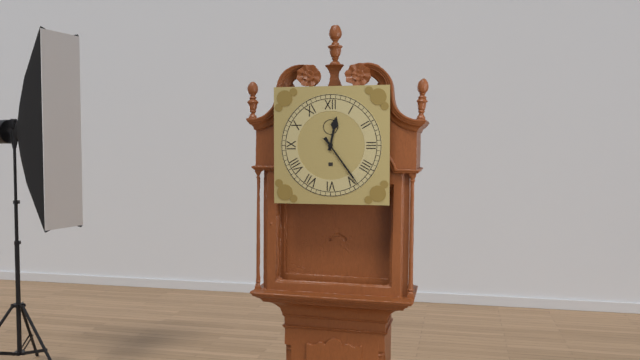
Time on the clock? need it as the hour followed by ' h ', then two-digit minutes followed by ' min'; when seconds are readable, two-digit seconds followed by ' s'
12 h 24 min
